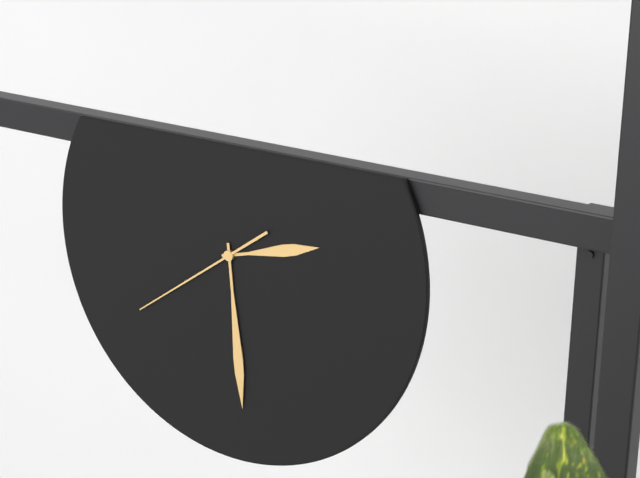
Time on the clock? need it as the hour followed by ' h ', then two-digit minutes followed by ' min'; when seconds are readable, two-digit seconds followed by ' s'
2 h 29 min 39 s
